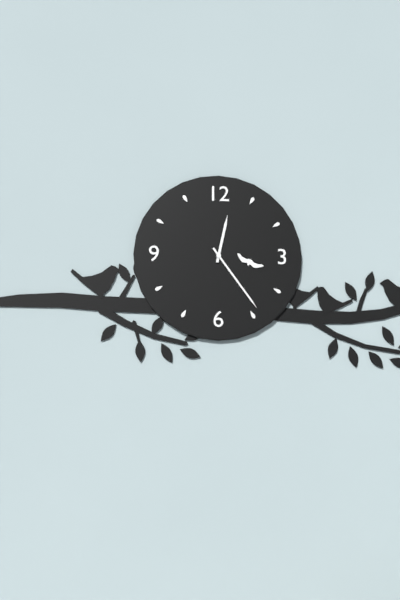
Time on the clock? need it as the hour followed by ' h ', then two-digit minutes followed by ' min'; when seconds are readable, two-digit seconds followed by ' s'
12 h 24 min
